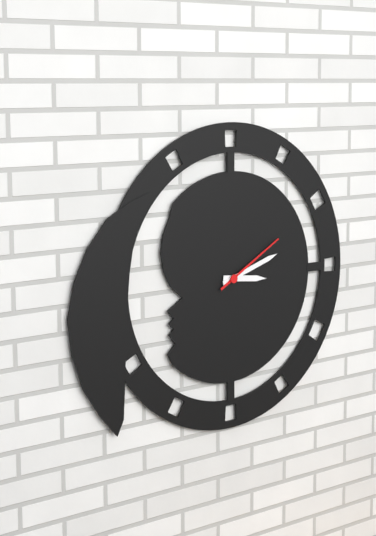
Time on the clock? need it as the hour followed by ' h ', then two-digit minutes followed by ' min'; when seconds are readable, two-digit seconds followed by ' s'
3 h 12 min 10 s
